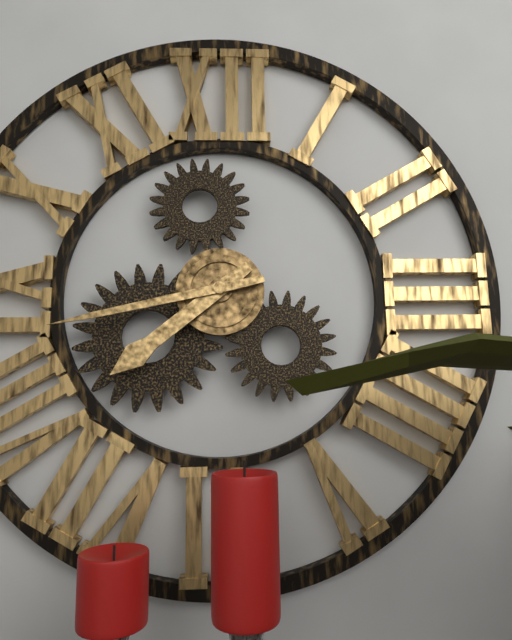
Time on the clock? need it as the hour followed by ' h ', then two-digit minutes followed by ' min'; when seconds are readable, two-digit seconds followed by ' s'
7 h 43 min
